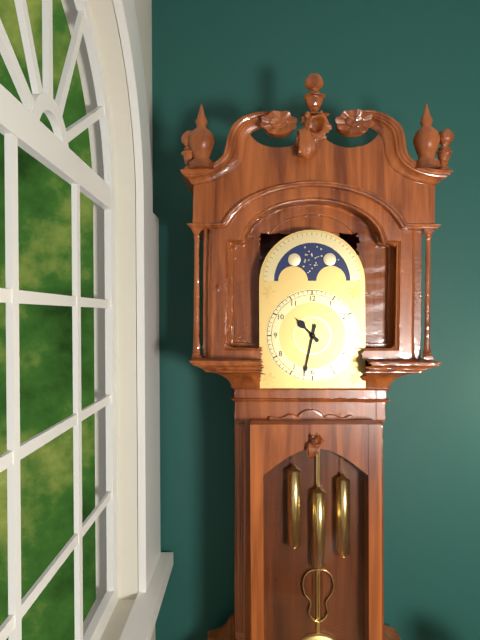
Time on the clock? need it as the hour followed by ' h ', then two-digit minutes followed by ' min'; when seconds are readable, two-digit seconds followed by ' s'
10 h 32 min
